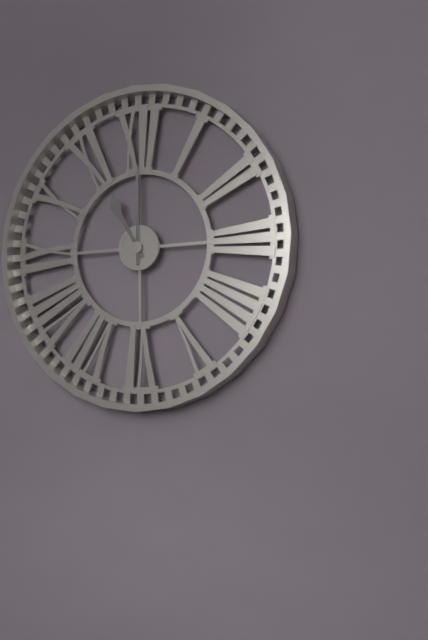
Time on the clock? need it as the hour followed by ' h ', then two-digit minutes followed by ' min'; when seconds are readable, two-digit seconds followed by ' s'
11 h 00 min
